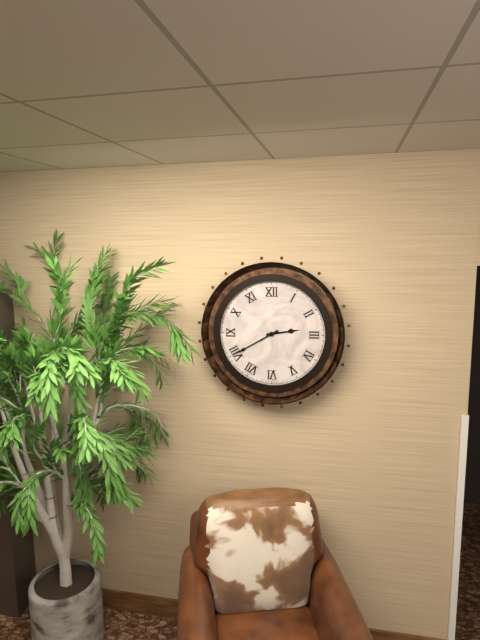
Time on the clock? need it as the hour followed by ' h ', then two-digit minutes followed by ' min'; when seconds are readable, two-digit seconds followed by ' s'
2 h 40 min
